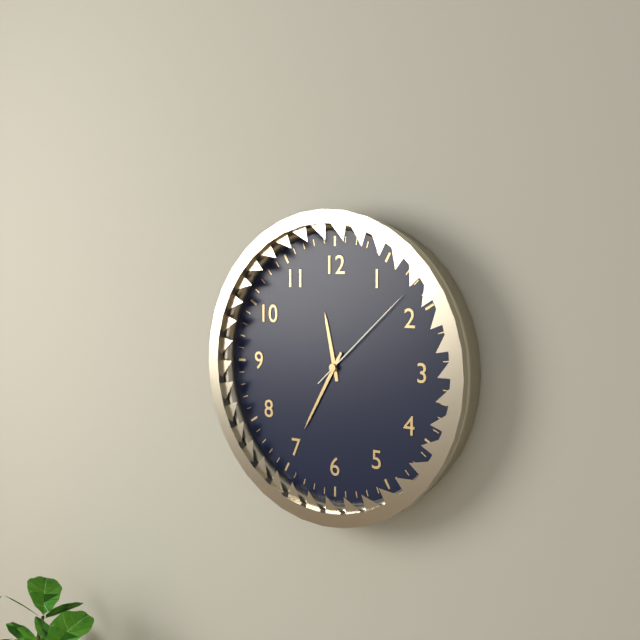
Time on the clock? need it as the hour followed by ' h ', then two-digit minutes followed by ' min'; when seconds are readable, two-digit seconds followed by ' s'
11 h 35 min 08 s
